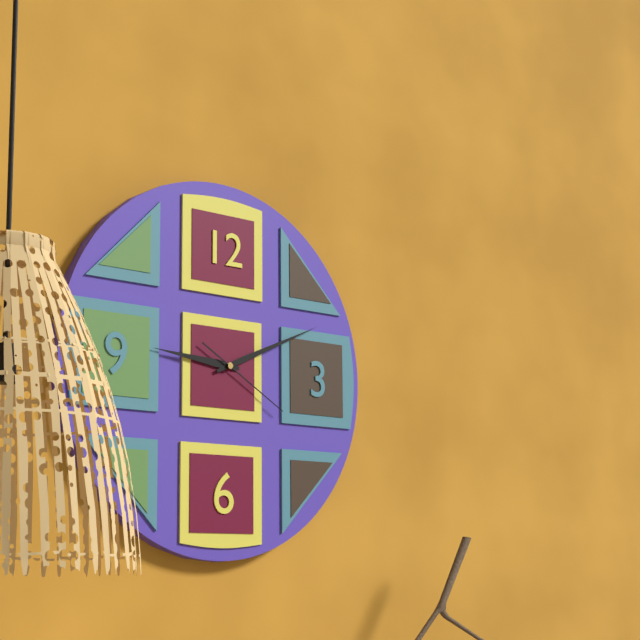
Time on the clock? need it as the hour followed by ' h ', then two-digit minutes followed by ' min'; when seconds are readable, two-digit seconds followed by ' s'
9 h 11 min 20 s
